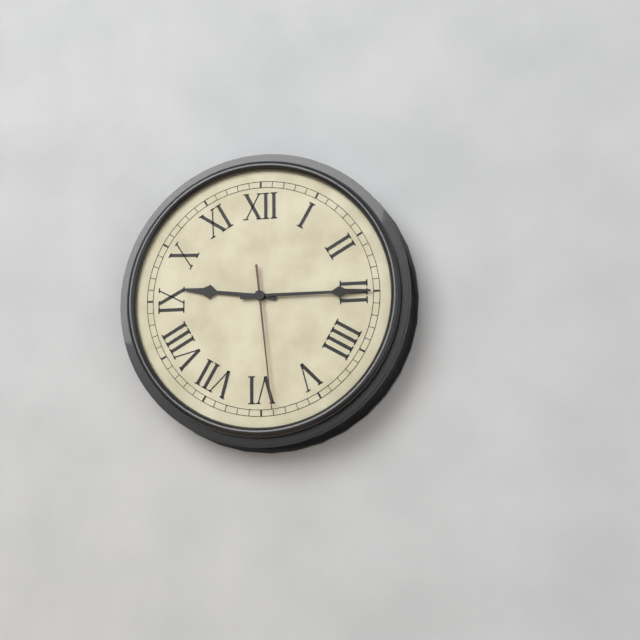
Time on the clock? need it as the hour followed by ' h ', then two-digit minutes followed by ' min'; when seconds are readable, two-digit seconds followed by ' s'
9 h 15 min 29 s
